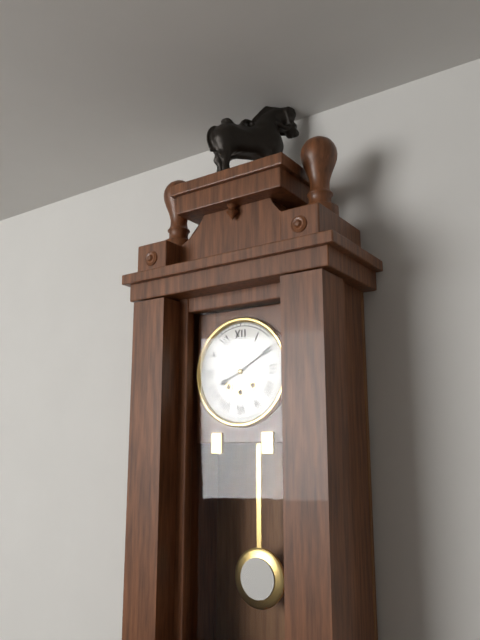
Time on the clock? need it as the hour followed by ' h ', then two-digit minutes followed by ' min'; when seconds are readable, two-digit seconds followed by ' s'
8 h 10 min
